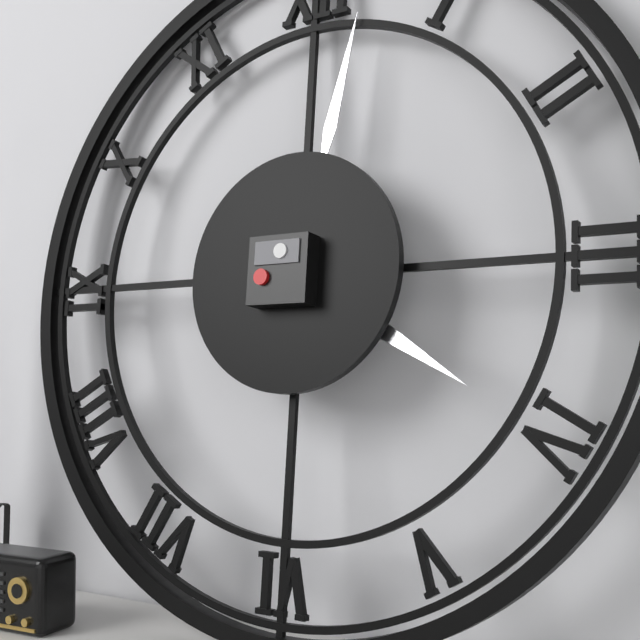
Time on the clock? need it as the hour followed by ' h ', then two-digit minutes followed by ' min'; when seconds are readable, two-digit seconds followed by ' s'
4 h 02 min
